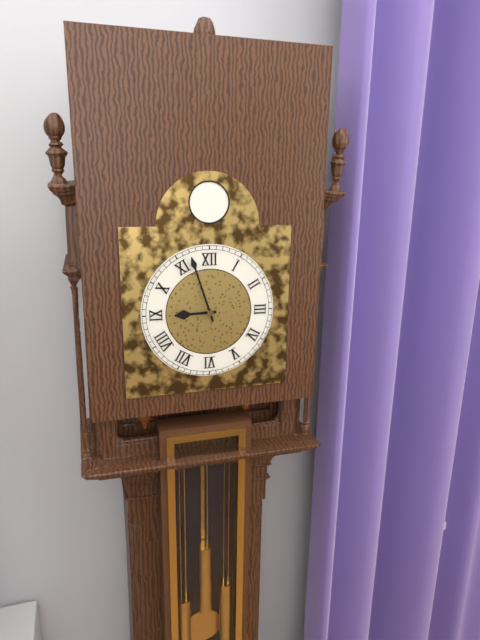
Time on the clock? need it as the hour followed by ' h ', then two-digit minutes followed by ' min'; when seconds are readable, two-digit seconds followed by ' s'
8 h 57 min
